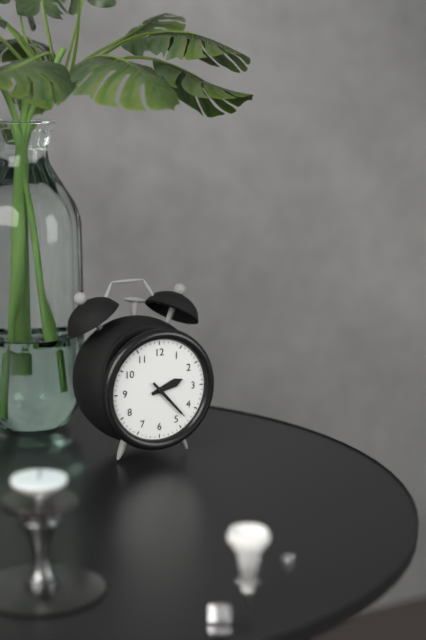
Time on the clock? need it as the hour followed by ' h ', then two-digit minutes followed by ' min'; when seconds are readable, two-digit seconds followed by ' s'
2 h 23 min
